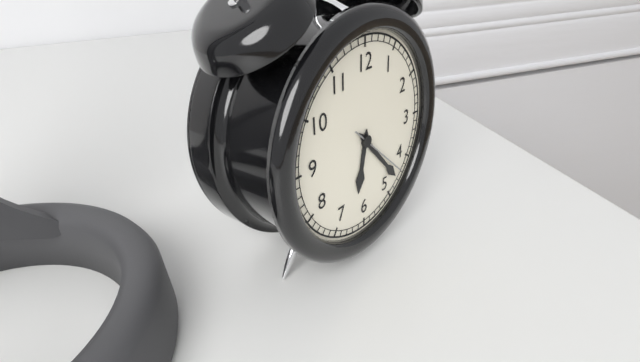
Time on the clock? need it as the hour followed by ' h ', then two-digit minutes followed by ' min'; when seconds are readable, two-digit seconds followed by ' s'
6 h 23 min 22 s
